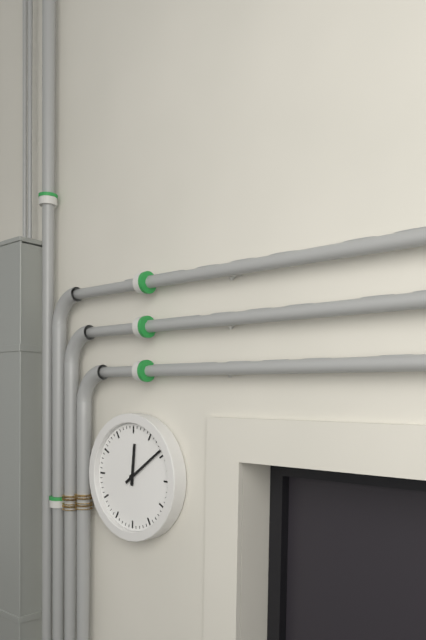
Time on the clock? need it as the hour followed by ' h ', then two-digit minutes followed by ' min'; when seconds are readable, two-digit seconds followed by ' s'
12 h 09 min
